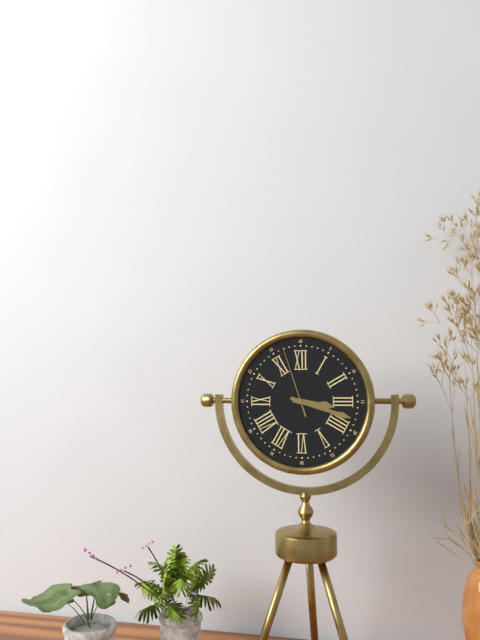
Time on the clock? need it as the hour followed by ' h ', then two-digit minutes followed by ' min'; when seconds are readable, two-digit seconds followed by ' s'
3 h 18 min 57 s
